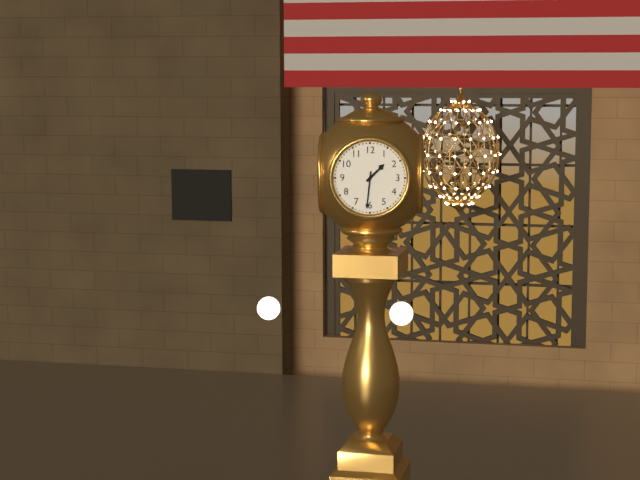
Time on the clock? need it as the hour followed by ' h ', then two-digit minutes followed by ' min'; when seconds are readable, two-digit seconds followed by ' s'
1 h 31 min
